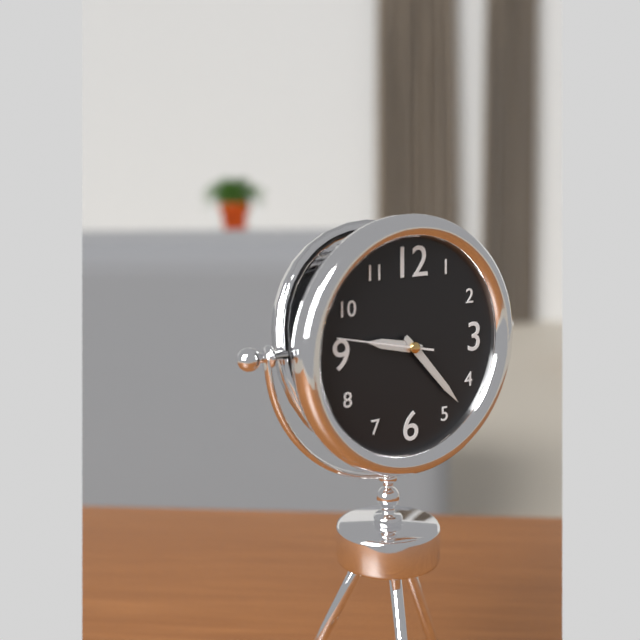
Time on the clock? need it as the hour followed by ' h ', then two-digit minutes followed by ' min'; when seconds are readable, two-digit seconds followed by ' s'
9 h 23 min 47 s
